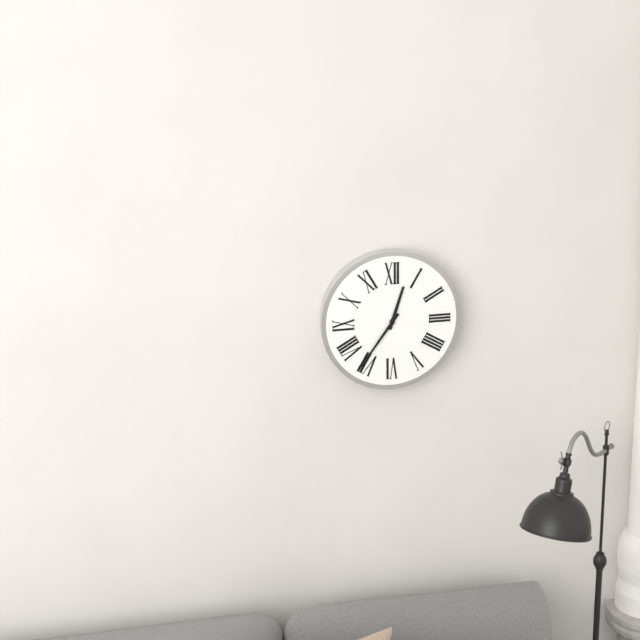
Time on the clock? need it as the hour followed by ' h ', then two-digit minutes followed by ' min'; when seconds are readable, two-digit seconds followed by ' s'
12 h 36 min
